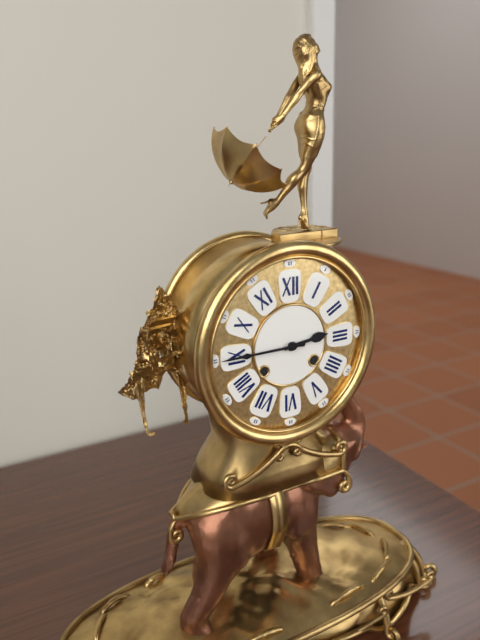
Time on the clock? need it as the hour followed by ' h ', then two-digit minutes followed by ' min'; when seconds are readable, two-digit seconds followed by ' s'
2 h 45 min
